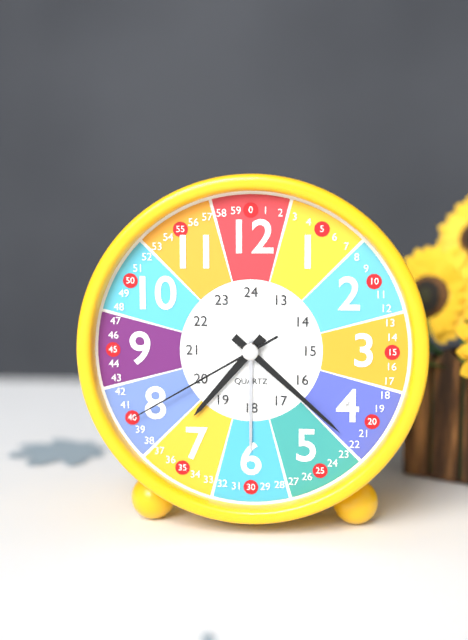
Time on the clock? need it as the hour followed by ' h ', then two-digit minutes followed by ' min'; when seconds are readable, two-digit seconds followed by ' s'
7 h 22 min 40 s
